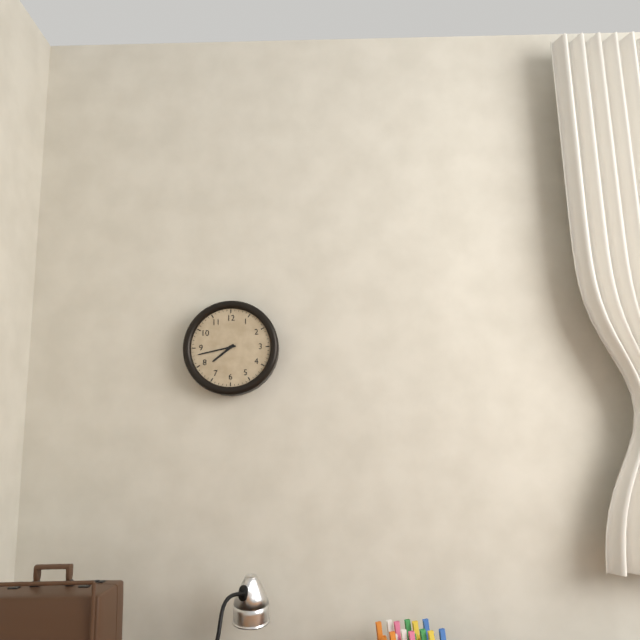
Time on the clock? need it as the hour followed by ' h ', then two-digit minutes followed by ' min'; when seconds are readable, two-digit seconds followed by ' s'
7 h 43 min
